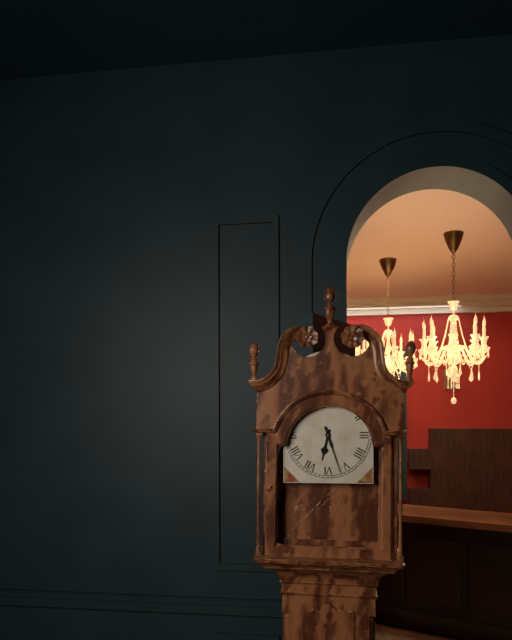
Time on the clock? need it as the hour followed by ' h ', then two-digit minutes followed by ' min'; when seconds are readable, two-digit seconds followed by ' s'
6 h 27 min
